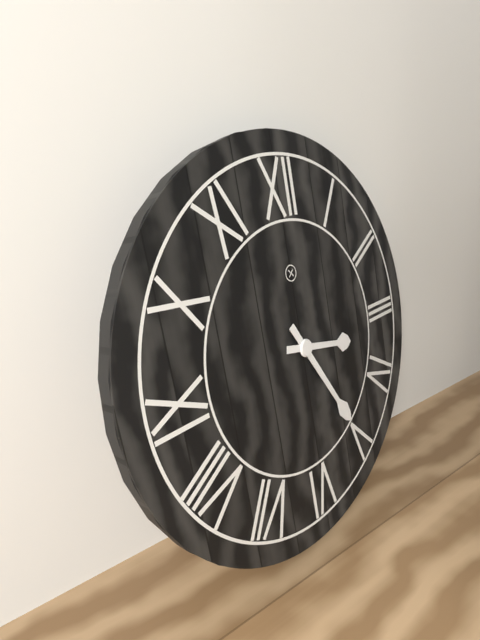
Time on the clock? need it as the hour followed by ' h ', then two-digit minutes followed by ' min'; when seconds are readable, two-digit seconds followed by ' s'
3 h 25 min
